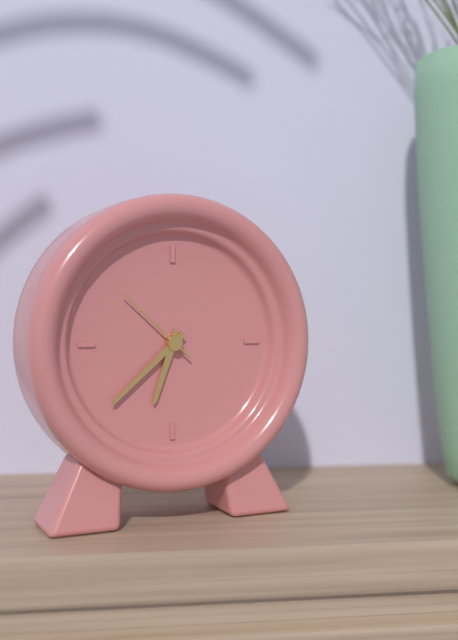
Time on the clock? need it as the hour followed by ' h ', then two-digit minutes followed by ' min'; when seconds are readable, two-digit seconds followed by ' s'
6 h 38 min 52 s
